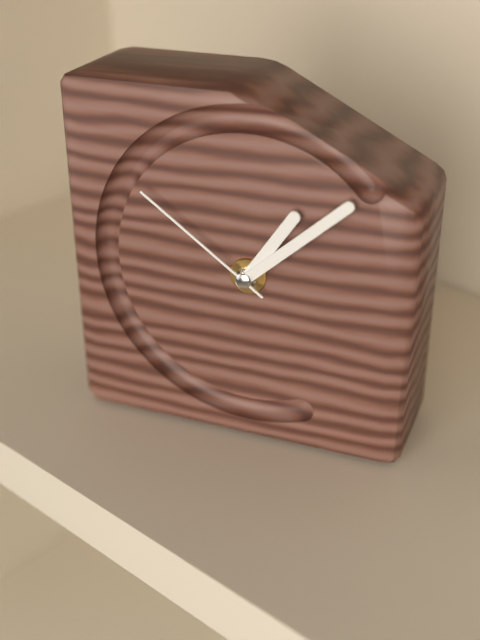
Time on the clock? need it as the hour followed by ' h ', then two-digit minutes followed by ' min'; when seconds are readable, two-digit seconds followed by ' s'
1 h 08 min 51 s
